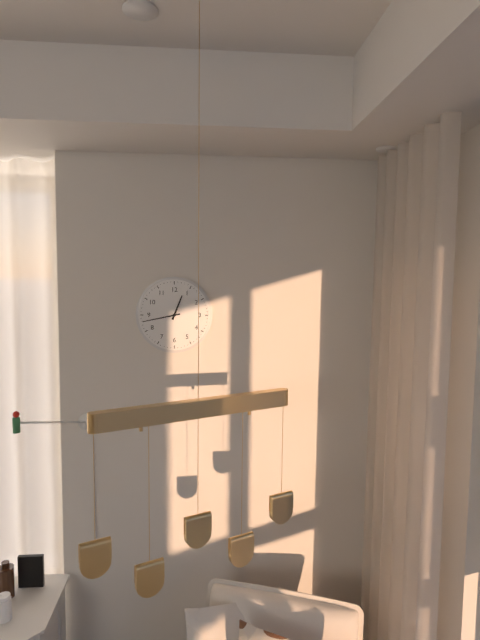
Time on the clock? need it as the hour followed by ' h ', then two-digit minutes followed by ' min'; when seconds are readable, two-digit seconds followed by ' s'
12 h 43 min
